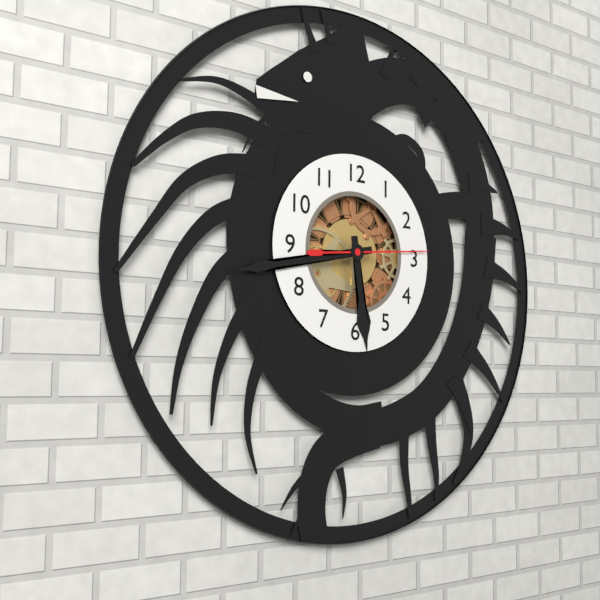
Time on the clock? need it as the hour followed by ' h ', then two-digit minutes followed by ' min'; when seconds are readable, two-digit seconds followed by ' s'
5 h 43 min 14 s
